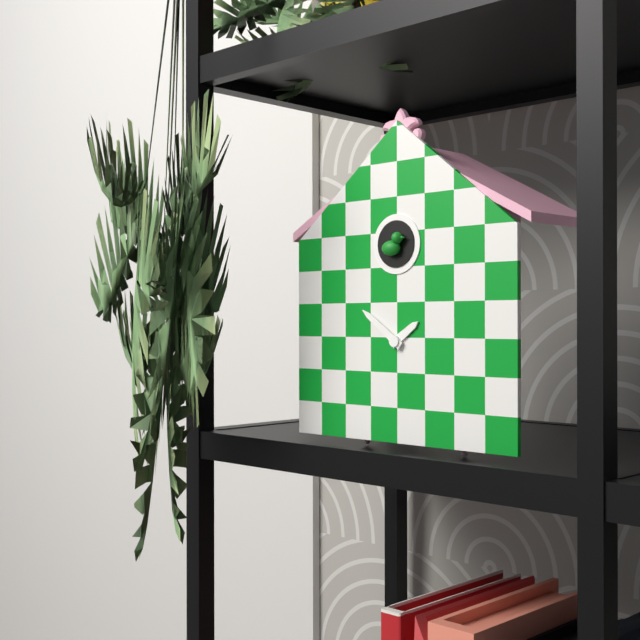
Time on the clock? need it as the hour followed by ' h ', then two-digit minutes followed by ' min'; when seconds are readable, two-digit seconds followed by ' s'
1 h 51 min
